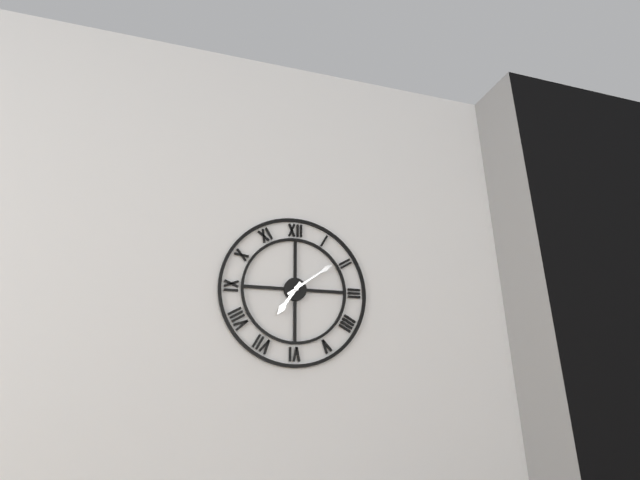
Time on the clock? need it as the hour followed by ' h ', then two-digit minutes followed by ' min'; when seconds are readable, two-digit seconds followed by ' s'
7 h 09 min
